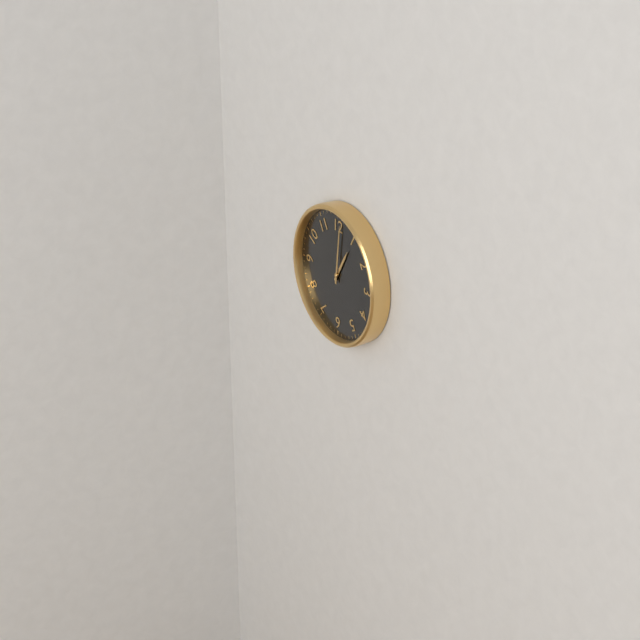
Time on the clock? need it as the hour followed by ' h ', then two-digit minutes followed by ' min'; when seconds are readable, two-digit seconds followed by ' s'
1 h 01 min
